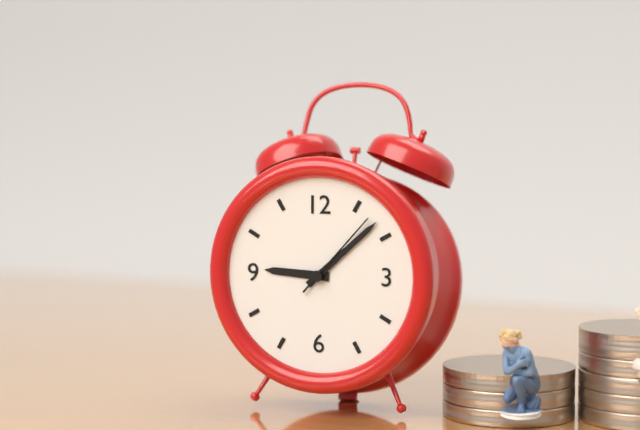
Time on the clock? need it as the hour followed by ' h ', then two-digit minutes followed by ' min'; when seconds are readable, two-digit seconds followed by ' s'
9 h 08 min 07 s
